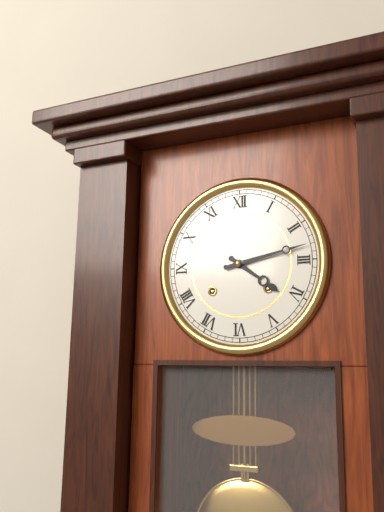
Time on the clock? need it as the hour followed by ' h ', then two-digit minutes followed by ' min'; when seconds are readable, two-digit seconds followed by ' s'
4 h 13 min
